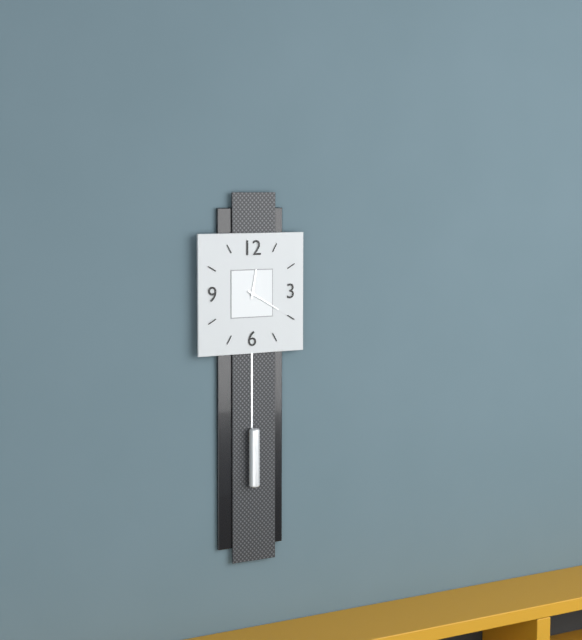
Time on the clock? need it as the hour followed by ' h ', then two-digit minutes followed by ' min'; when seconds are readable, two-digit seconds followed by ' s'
12 h 20 min
